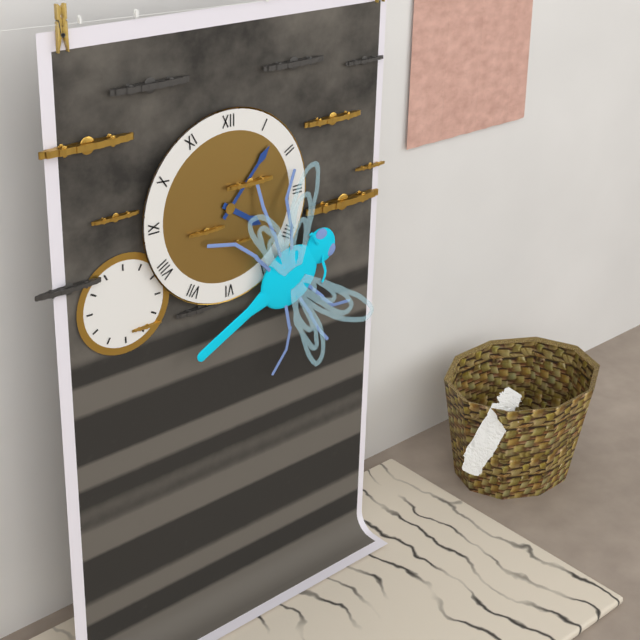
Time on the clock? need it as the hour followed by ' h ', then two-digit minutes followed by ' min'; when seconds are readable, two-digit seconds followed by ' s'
4 h 07 min
